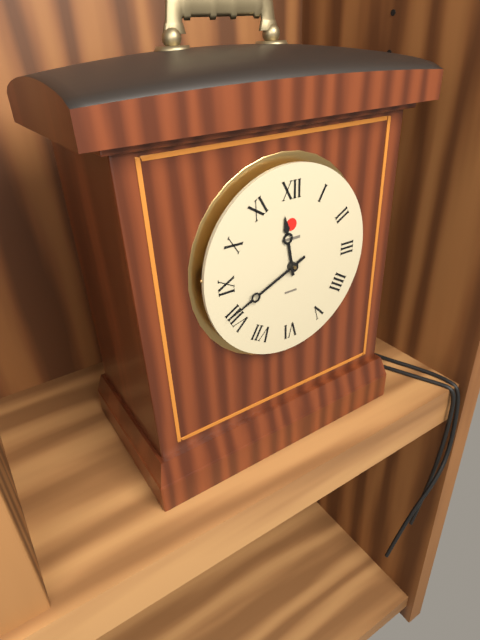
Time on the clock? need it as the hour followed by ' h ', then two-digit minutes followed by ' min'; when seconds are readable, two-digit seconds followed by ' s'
11 h 41 min
